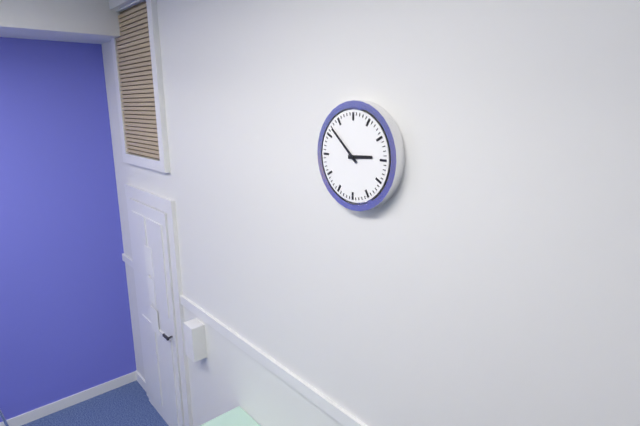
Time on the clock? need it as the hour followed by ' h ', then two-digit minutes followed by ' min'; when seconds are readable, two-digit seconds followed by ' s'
2 h 52 min
